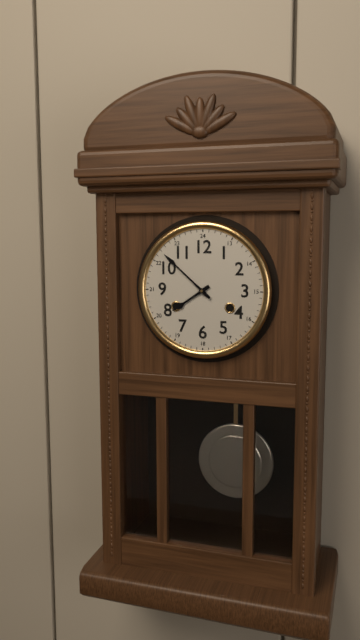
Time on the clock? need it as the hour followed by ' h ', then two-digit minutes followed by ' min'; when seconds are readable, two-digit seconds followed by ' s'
7 h 52 min
